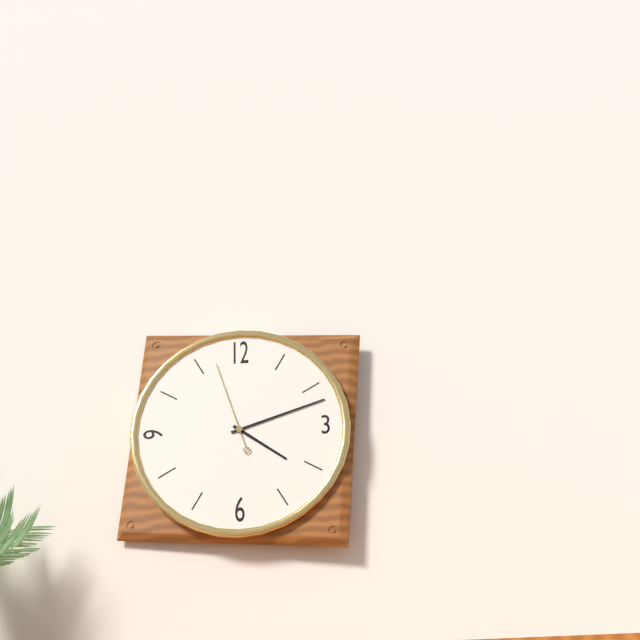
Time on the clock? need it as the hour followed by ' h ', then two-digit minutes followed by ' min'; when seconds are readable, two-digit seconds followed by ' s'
4 h 12 min 57 s
